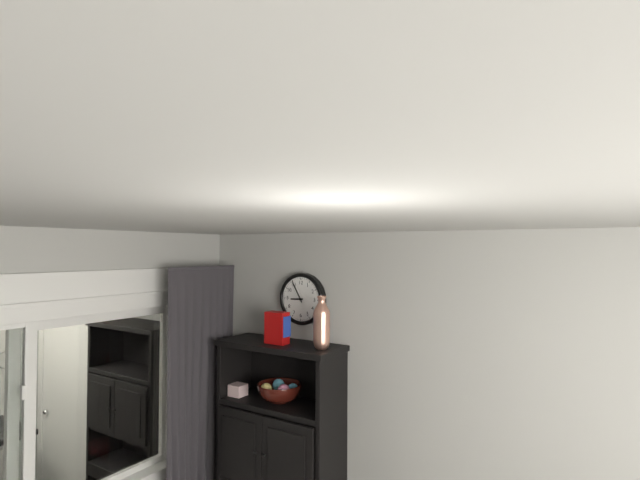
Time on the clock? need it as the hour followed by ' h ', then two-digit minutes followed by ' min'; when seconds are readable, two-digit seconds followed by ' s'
8 h 55 min
